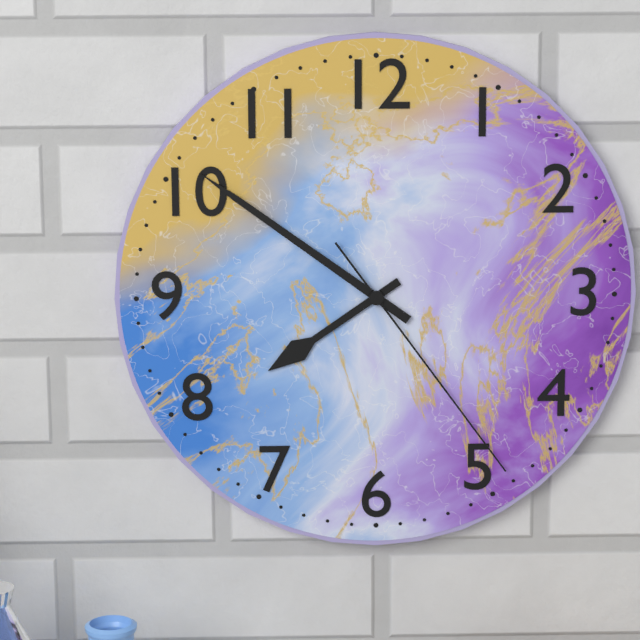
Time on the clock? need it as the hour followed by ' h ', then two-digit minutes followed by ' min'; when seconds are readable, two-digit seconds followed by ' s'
7 h 51 min 24 s
